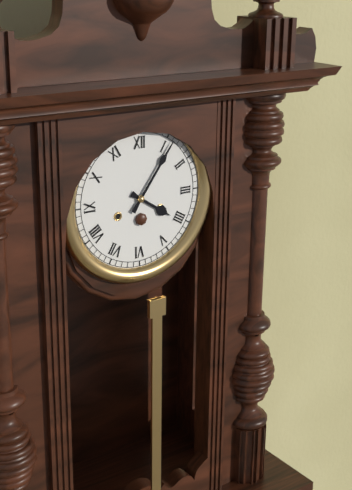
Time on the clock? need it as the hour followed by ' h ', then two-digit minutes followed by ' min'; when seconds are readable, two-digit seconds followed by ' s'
4 h 06 min
